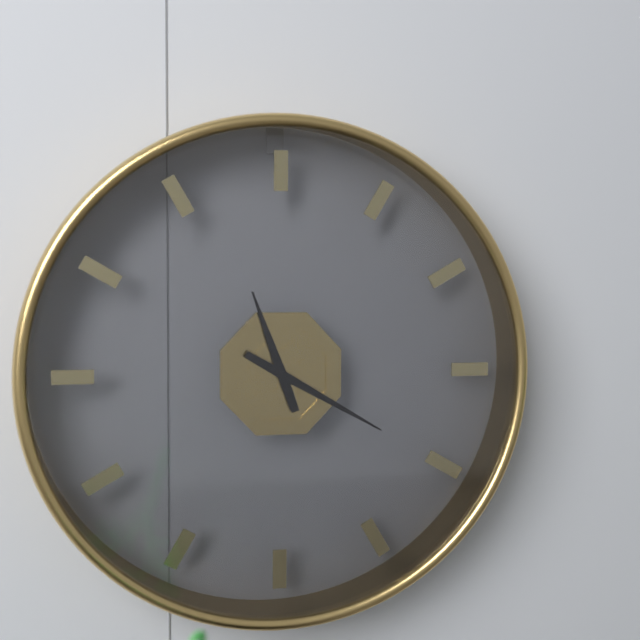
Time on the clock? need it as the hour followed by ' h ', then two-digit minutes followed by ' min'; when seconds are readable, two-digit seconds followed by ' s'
11 h 20 min
